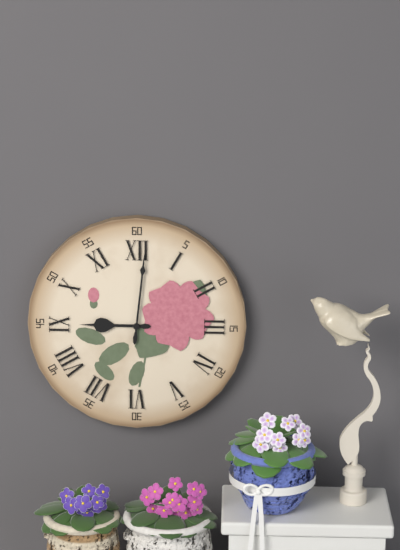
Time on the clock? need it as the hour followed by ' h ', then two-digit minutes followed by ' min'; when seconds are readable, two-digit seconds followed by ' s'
9 h 01 min
